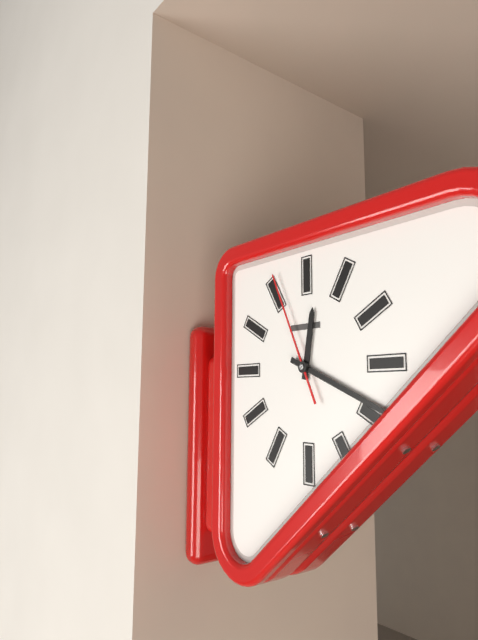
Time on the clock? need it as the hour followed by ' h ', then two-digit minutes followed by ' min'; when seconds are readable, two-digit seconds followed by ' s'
12 h 19 min 56 s
